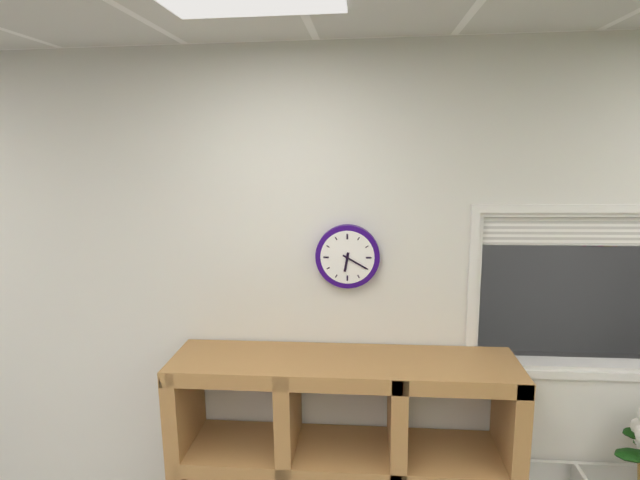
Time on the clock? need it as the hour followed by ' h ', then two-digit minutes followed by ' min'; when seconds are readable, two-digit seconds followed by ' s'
6 h 20 min
